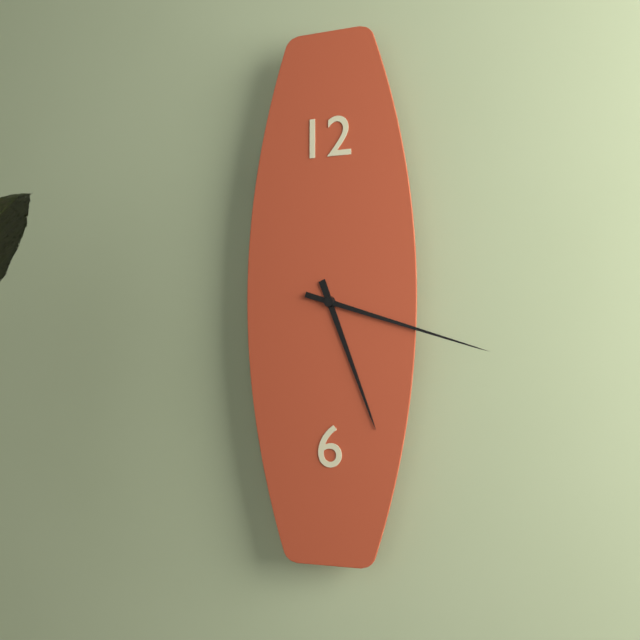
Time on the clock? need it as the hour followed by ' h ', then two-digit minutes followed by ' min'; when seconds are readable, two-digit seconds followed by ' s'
5 h 18 min
